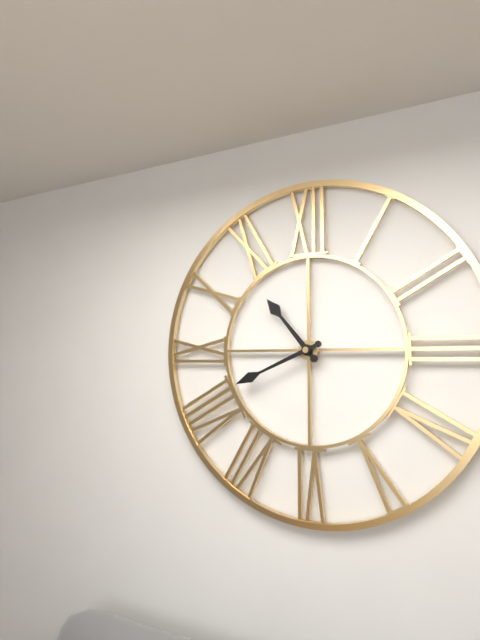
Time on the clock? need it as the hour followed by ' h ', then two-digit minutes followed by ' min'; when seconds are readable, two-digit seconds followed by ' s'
10 h 41 min
